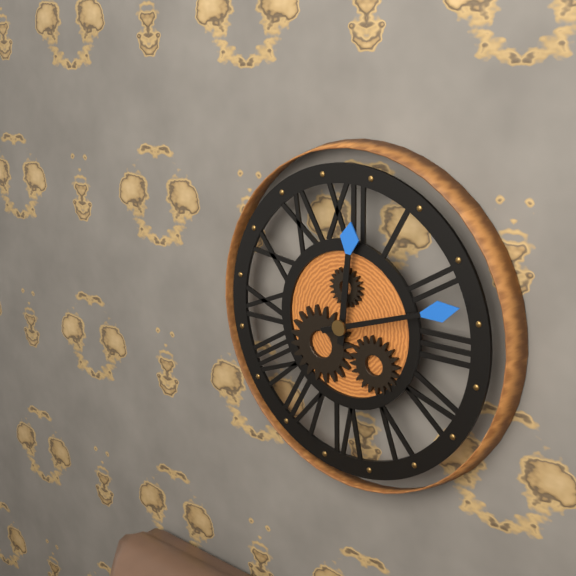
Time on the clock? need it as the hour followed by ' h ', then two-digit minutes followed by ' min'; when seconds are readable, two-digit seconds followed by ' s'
12 h 12 min
